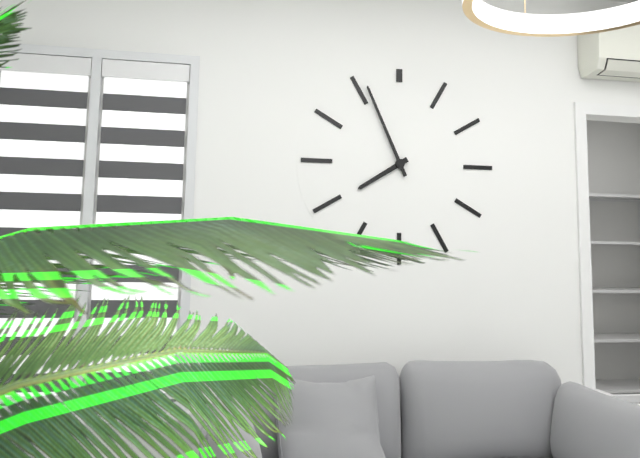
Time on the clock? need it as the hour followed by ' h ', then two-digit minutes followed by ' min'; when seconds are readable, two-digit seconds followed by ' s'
7 h 56 min
